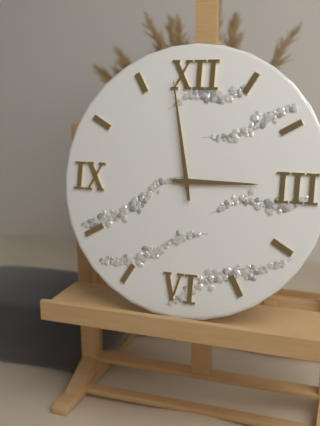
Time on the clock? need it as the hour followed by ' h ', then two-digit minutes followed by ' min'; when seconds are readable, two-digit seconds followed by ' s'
2 h 58 min
